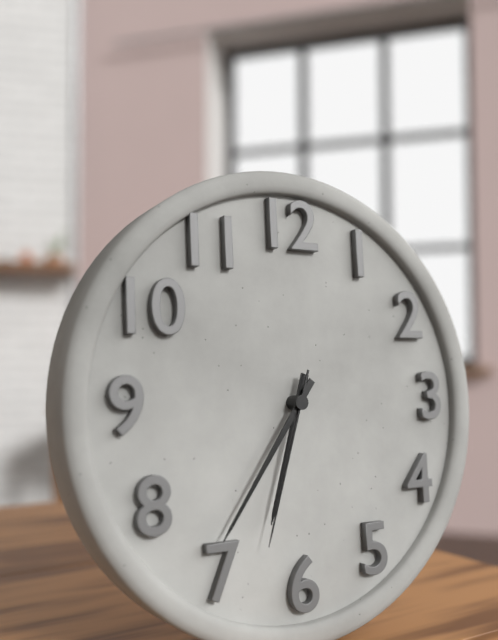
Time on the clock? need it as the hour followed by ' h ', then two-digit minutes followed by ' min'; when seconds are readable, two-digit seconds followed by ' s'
6 h 36 min 33 s
